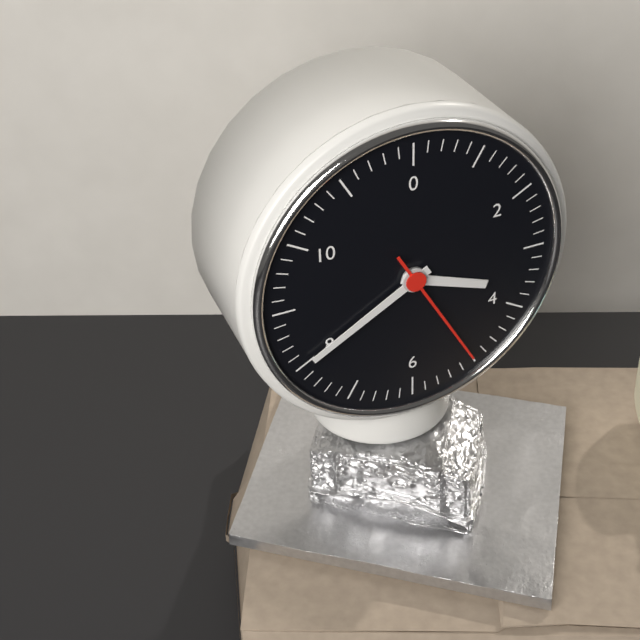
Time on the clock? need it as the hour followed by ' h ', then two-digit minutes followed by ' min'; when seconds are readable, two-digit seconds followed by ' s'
3 h 40 min 25 s
